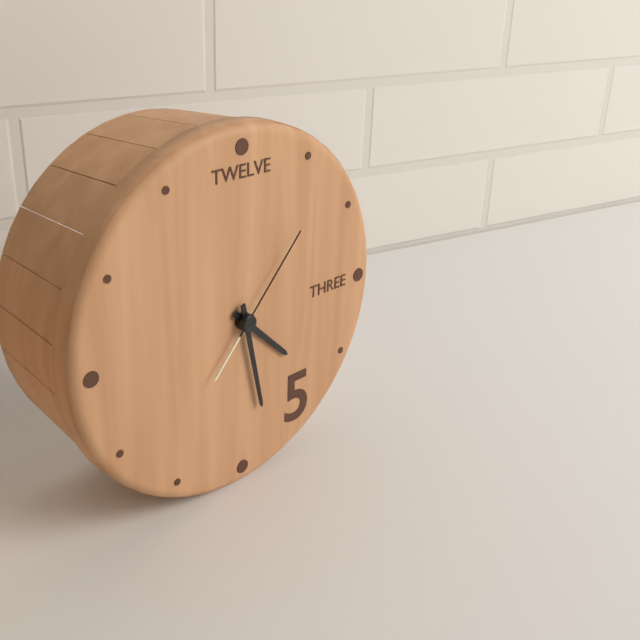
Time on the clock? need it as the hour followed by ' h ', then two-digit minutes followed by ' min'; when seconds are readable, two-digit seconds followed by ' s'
4 h 28 min 07 s
